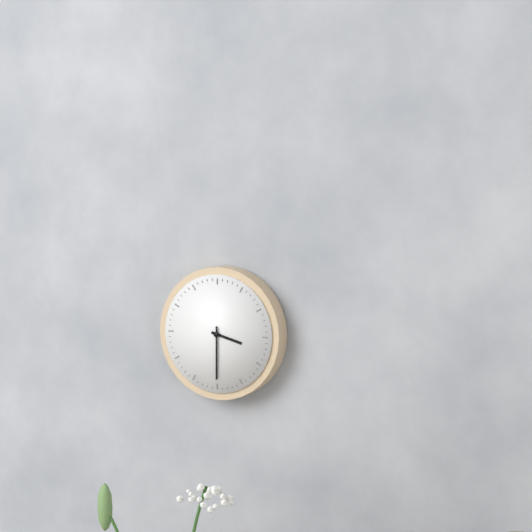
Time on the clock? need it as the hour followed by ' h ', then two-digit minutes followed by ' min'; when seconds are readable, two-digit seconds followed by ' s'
3 h 30 min
